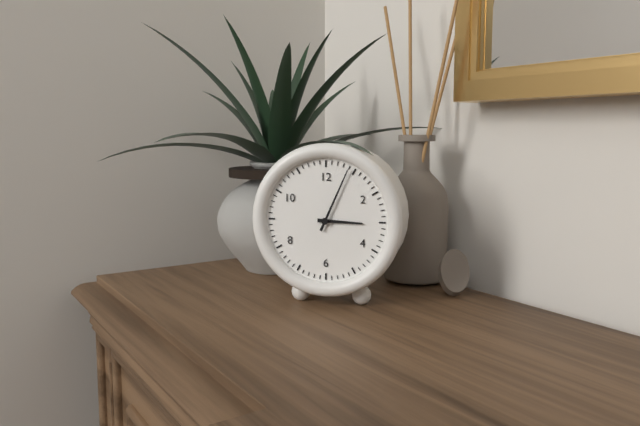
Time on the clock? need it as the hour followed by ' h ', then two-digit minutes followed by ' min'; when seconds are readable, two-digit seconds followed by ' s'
3 h 04 min
